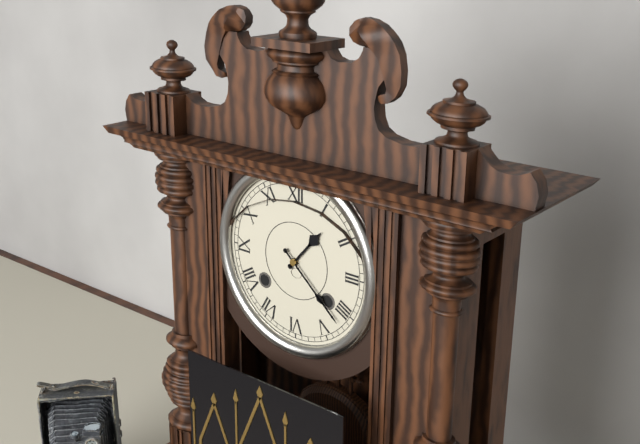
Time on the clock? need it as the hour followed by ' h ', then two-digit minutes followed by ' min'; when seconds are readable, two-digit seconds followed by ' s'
1 h 22 min
